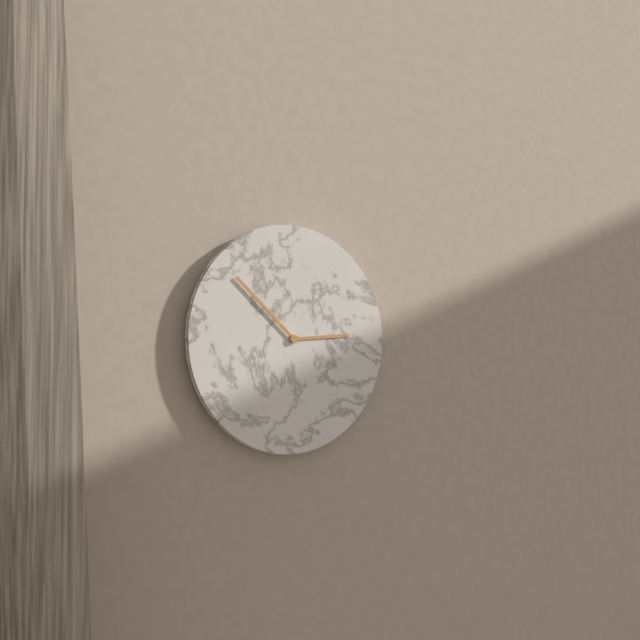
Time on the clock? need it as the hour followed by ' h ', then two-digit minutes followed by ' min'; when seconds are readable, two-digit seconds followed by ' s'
2 h 52 min
